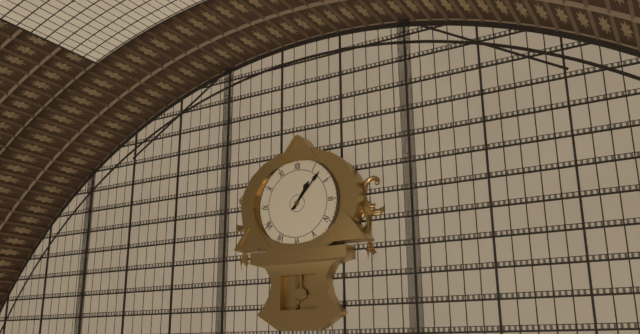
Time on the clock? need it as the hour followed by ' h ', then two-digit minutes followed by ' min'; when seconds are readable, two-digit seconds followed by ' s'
1 h 07 min
